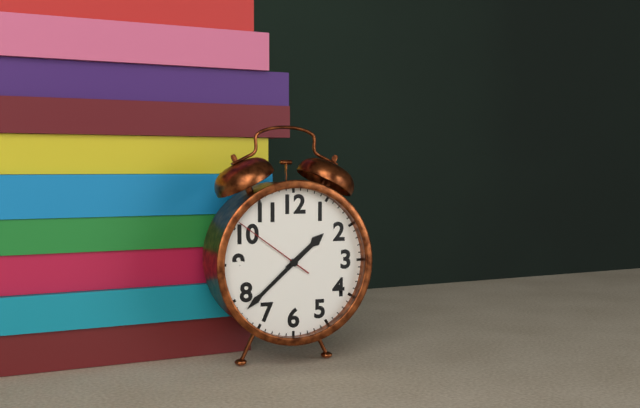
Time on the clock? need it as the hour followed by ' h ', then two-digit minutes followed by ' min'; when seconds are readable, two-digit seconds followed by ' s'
1 h 38 min 51 s
